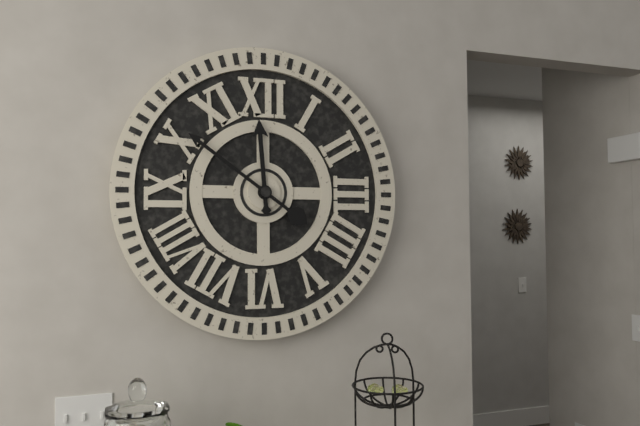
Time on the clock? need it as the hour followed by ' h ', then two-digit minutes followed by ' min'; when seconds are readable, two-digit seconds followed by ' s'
11 h 51 min
